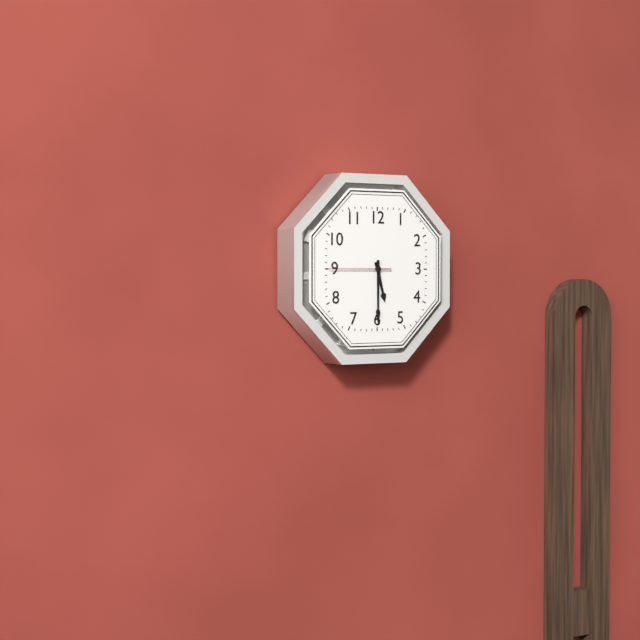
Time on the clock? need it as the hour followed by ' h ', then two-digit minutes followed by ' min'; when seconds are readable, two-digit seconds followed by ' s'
5 h 30 min 45 s
